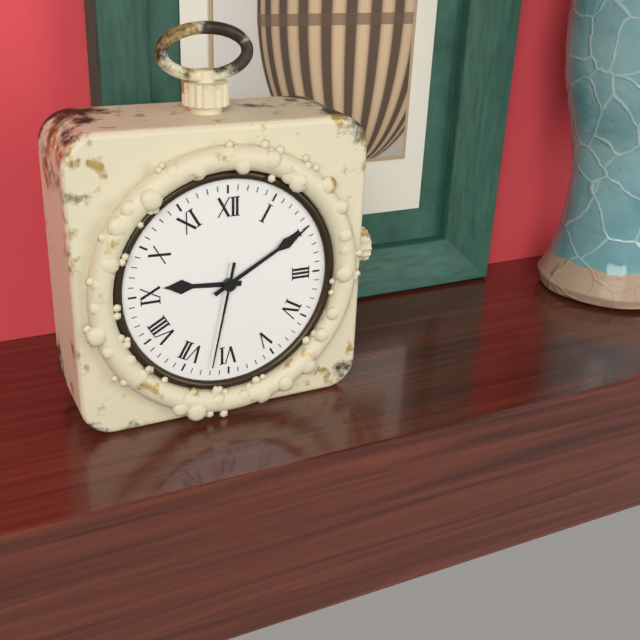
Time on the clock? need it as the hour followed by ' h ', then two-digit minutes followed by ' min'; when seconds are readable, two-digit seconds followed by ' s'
9 h 10 min 32 s
